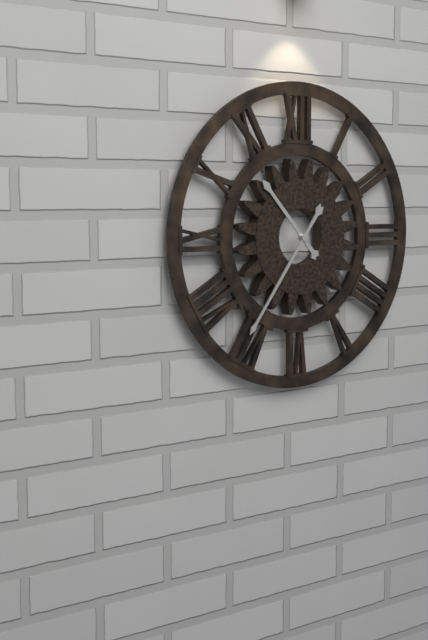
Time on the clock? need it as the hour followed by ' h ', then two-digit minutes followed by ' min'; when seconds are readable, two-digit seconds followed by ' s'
10 h 36 min
